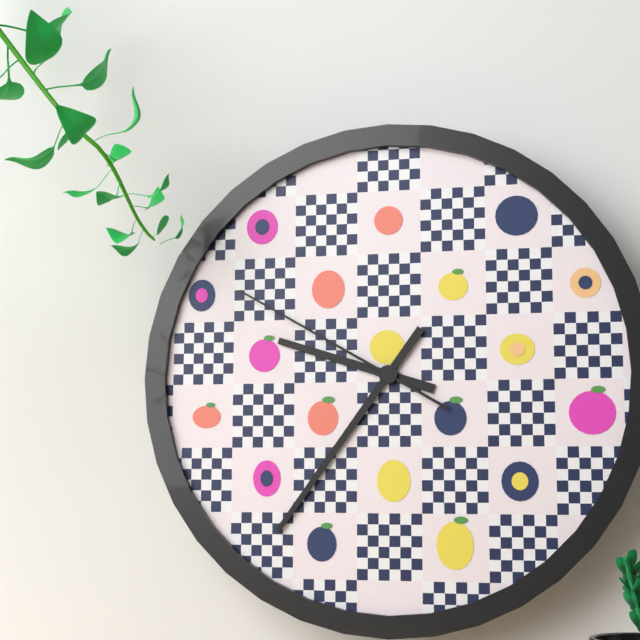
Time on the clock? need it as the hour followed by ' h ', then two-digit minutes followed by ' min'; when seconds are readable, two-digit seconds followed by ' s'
9 h 36 min 50 s
